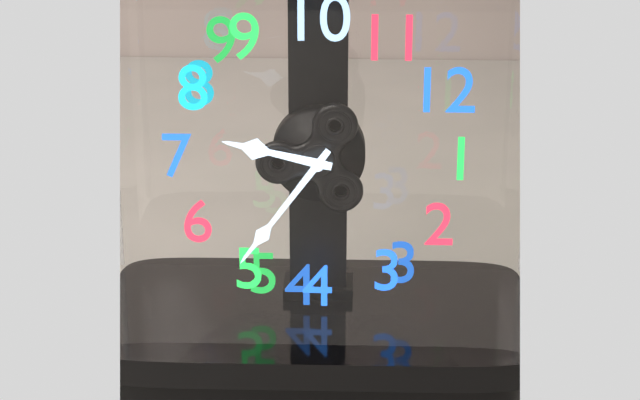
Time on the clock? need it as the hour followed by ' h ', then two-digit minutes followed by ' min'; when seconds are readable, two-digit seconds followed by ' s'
7 h 26 min
